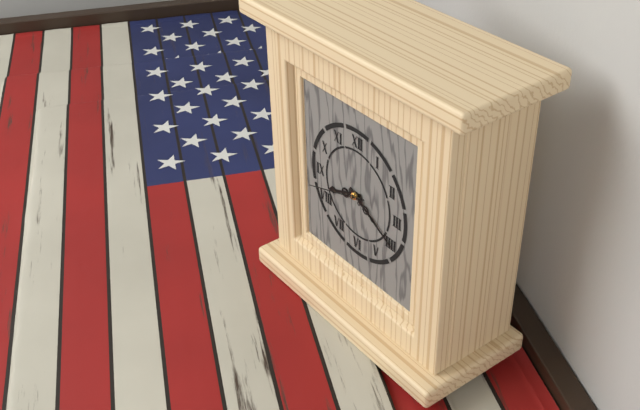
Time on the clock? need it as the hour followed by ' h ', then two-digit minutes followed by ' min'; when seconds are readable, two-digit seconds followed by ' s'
8 h 20 min 42 s
